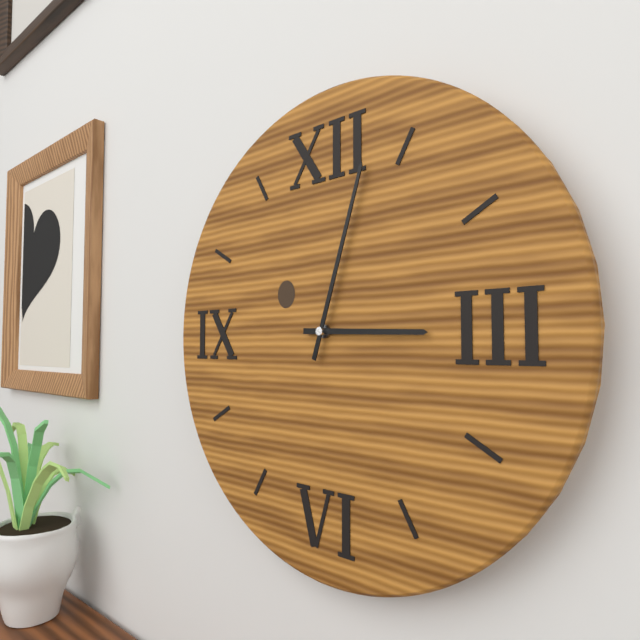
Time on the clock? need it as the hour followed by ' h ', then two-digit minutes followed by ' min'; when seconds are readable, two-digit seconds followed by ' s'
3 h 03 min
